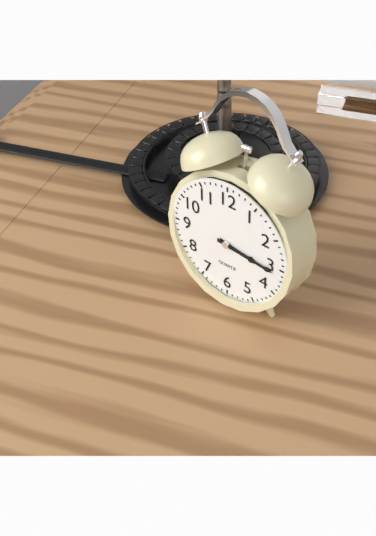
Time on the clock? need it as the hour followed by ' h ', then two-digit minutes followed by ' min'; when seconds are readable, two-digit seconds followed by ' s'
3 h 16 min
